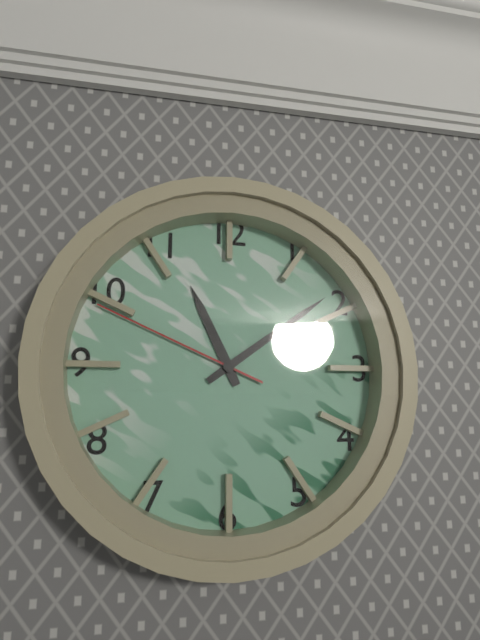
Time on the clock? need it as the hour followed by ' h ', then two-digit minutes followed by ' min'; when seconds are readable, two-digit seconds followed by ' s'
11 h 09 min 49 s
